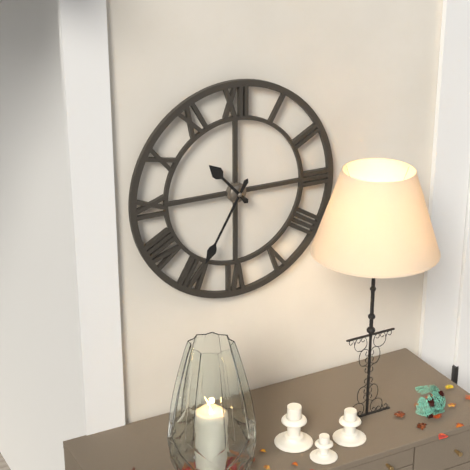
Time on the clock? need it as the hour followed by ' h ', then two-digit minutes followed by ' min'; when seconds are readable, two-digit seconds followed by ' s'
10 h 35 min
